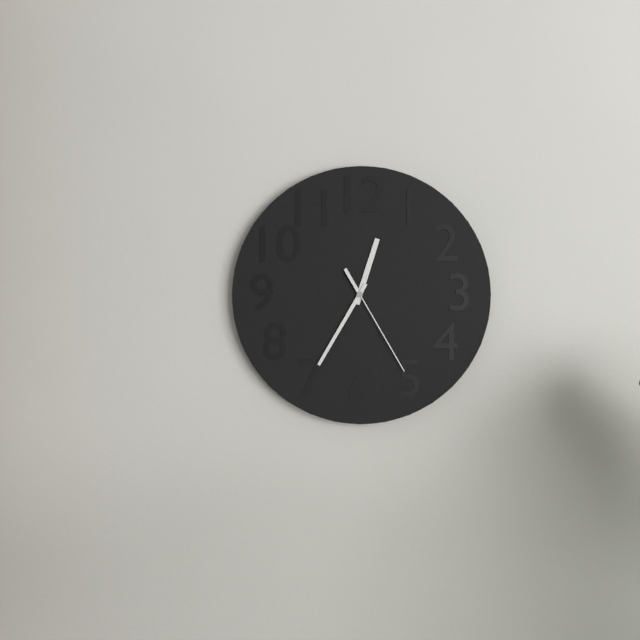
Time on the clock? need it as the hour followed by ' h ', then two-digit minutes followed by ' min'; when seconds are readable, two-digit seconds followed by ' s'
12 h 35 min 25 s
